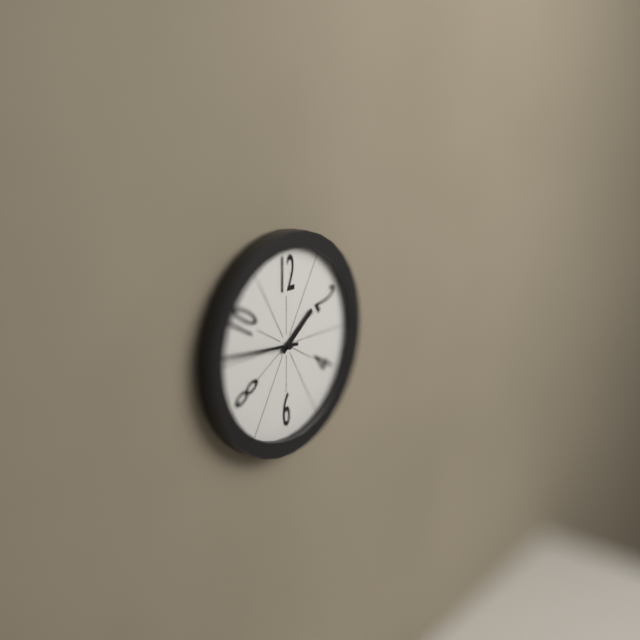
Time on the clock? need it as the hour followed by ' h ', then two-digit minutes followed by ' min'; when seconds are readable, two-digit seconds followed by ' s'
1 h 46 min
